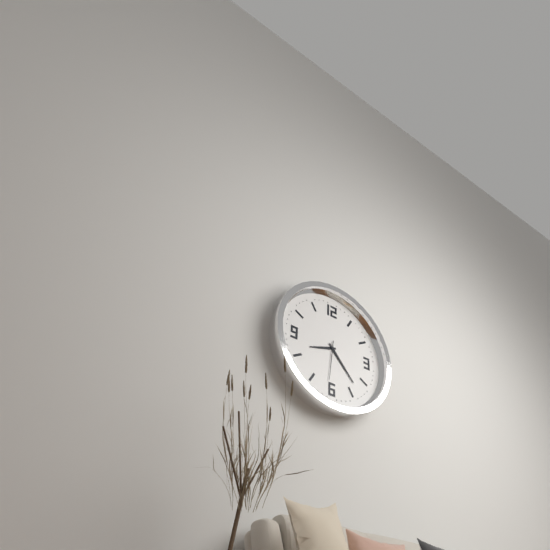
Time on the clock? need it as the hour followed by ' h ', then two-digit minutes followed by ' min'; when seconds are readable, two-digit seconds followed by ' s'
8 h 23 min
